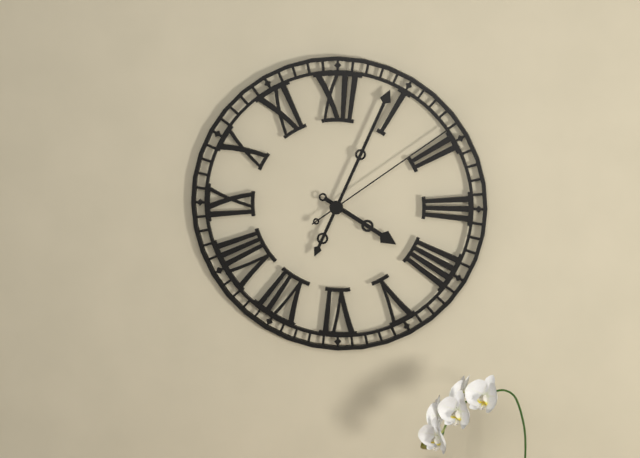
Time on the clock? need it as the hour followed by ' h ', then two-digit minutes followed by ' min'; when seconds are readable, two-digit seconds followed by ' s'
4 h 04 min 09 s
